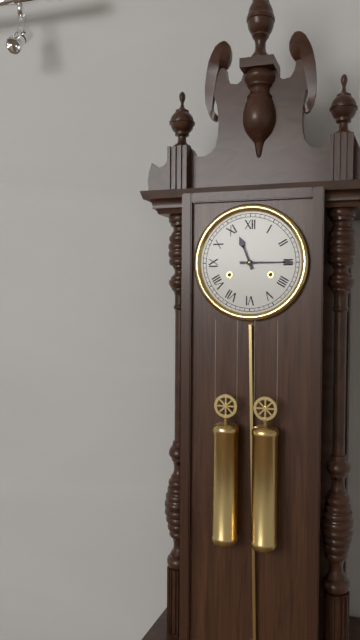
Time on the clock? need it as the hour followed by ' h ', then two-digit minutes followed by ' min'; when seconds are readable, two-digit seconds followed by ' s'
11 h 15 min
